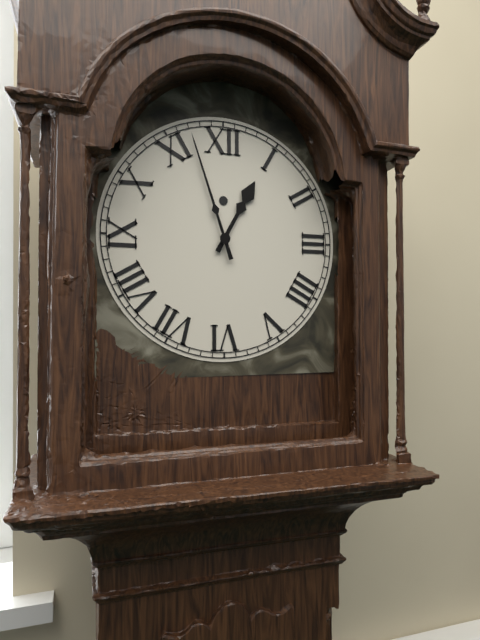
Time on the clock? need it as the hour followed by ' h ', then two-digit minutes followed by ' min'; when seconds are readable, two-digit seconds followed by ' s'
12 h 57 min
